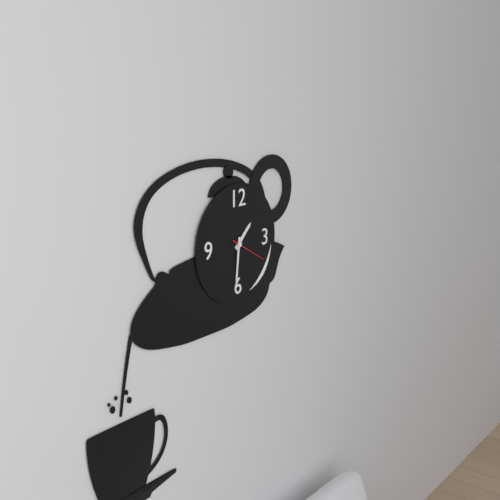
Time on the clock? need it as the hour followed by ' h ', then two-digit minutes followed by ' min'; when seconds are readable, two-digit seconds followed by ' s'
1 h 31 min
